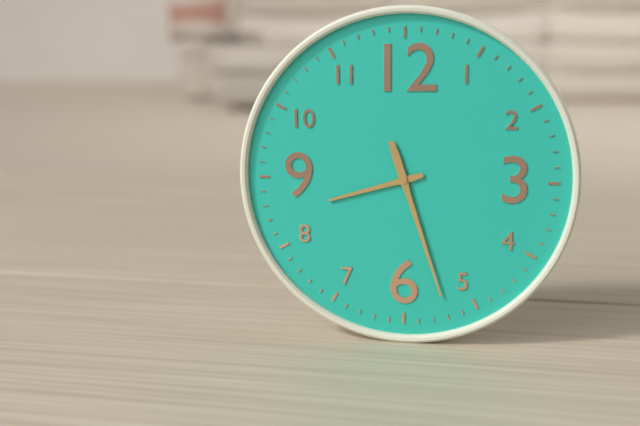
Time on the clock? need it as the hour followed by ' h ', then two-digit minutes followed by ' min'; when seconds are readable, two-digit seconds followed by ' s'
8 h 27 min
